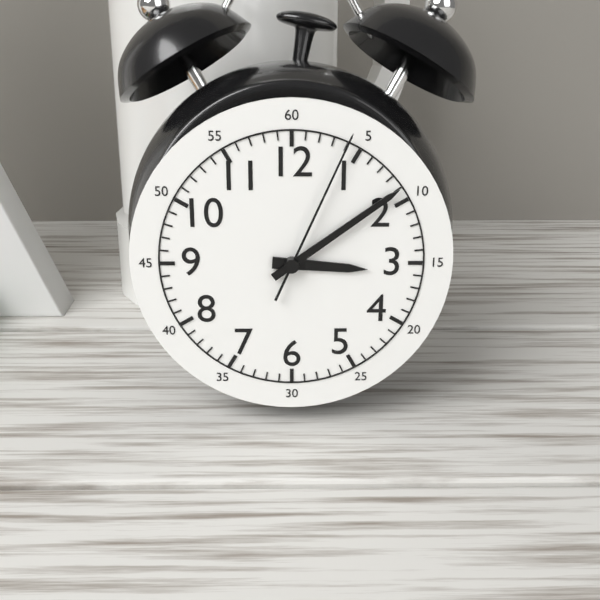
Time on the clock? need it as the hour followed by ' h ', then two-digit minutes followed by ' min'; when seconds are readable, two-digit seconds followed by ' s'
3 h 09 min 04 s
